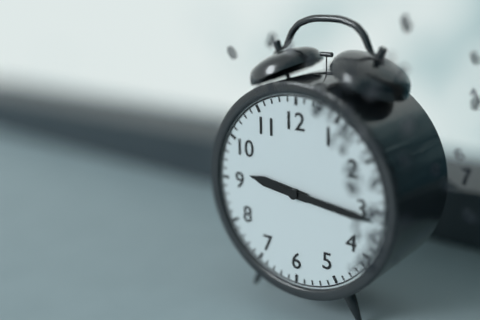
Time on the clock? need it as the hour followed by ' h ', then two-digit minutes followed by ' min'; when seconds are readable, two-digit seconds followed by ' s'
9 h 16 min
